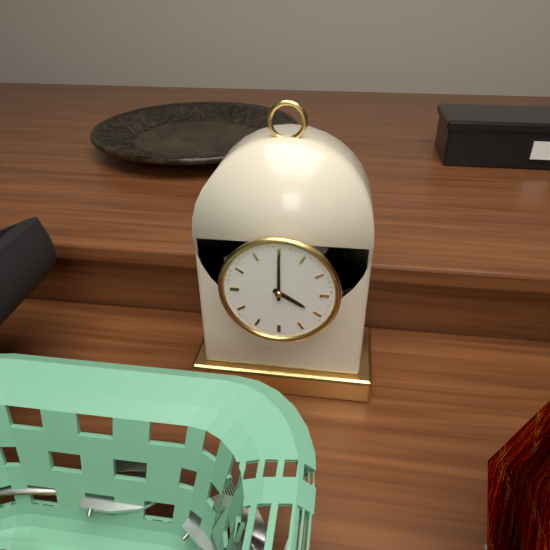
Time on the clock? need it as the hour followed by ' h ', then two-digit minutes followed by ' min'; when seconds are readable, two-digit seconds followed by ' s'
4 h 00 min
